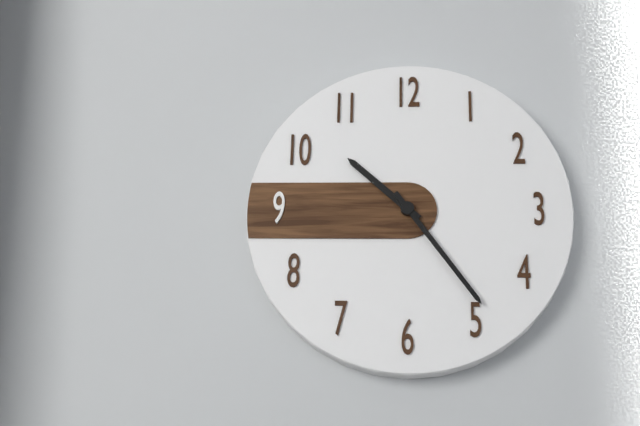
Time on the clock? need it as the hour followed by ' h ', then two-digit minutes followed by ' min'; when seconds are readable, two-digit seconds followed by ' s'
10 h 24 min
